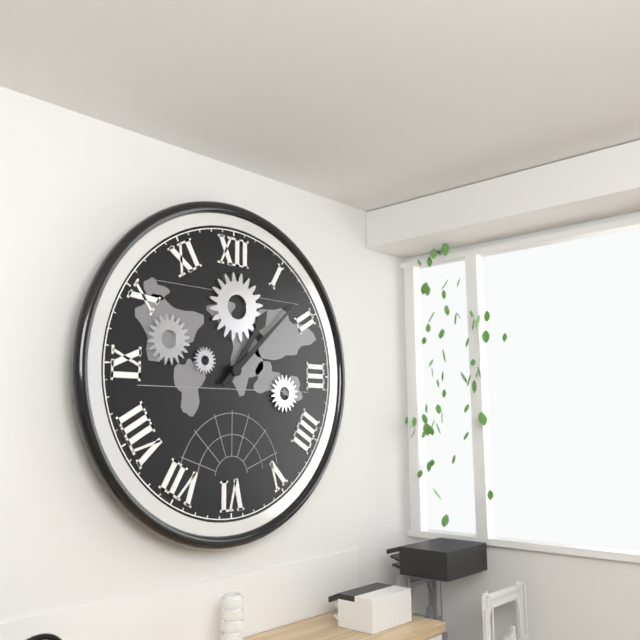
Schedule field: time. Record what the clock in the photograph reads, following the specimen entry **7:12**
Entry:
**1:08**
